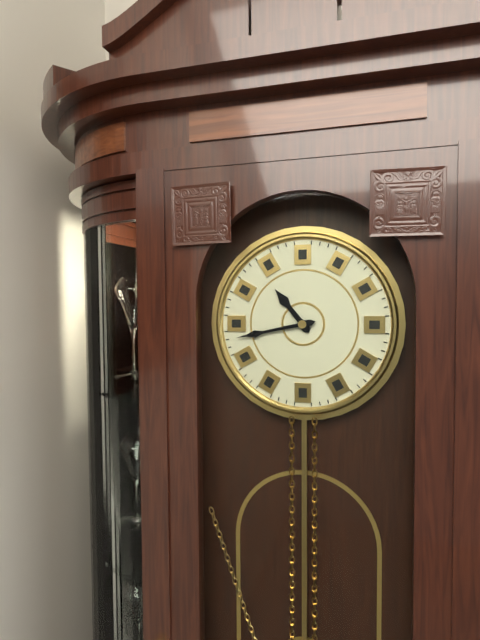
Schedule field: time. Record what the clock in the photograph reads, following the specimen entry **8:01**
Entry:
**10:43**
